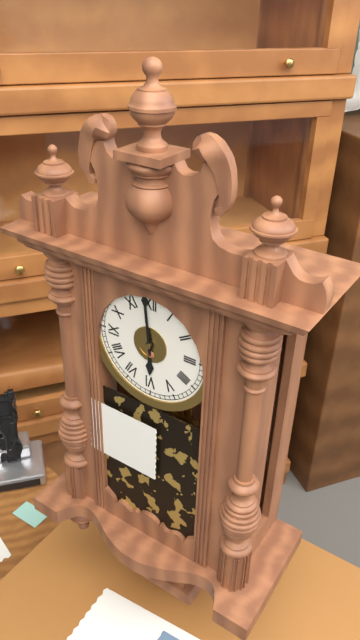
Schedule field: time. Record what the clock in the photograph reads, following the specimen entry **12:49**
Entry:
**5:59**
